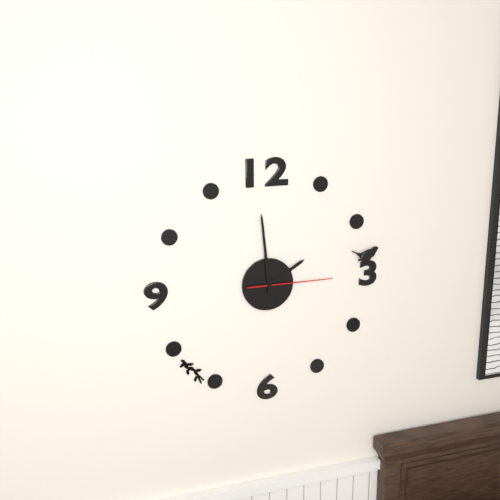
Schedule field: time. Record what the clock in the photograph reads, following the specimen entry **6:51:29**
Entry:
**1:59:15**
